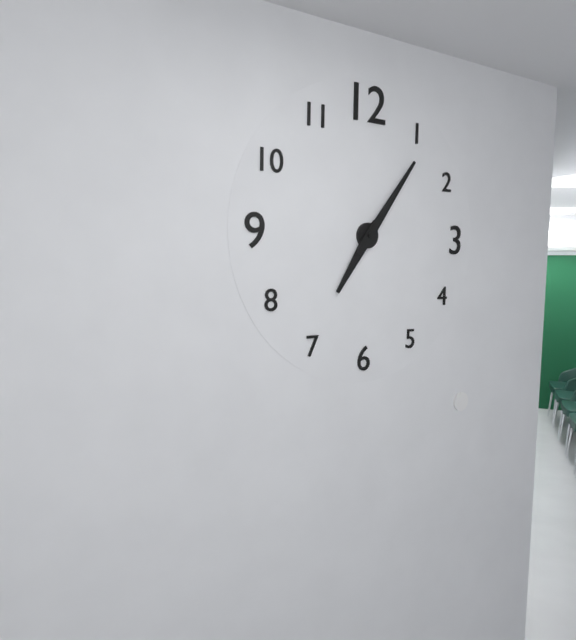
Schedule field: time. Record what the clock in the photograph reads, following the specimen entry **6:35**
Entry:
**7:06**
